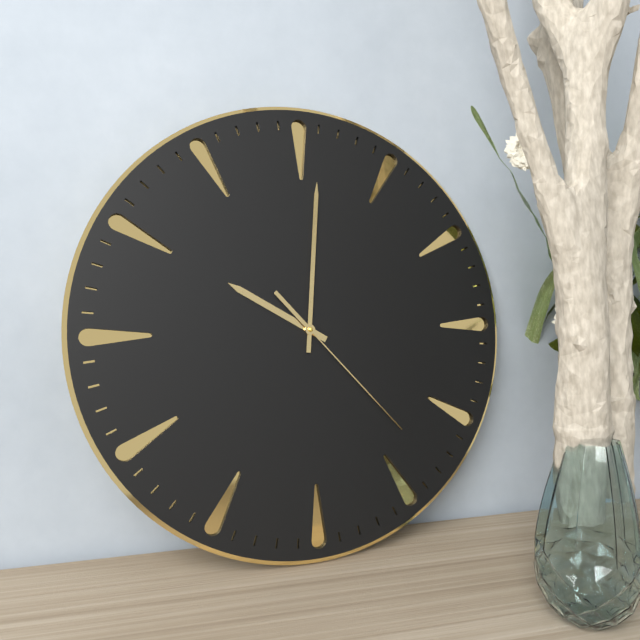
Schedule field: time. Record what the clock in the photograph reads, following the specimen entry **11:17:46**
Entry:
**10:01:23**
